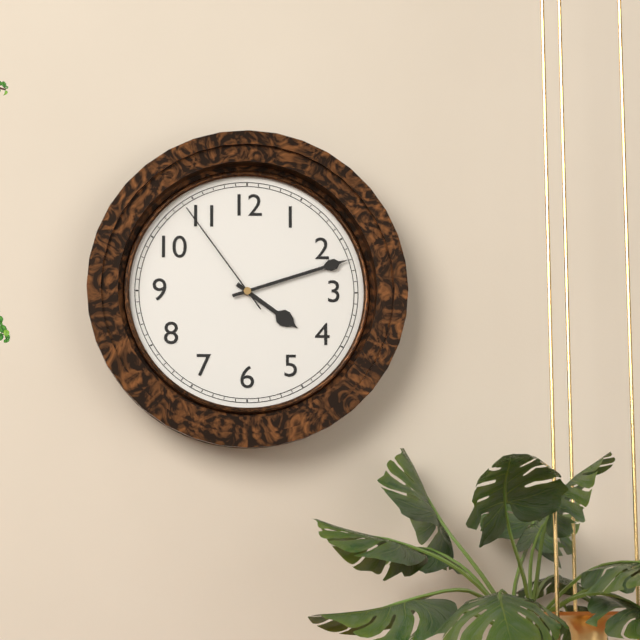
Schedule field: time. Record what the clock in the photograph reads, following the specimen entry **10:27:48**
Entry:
**4:12:54**
